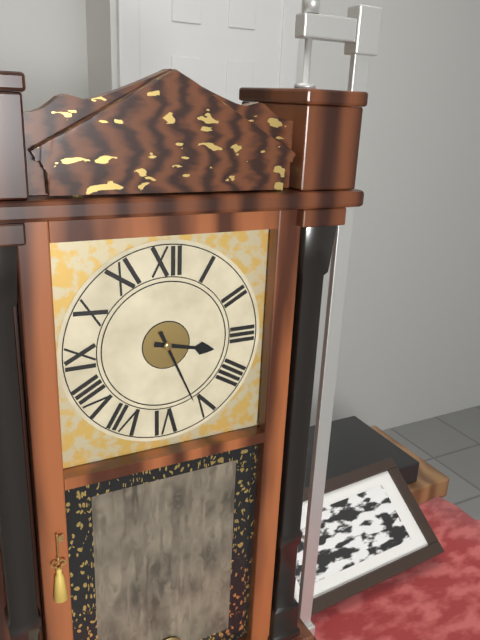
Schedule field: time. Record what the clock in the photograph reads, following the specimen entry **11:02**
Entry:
**3:26**
